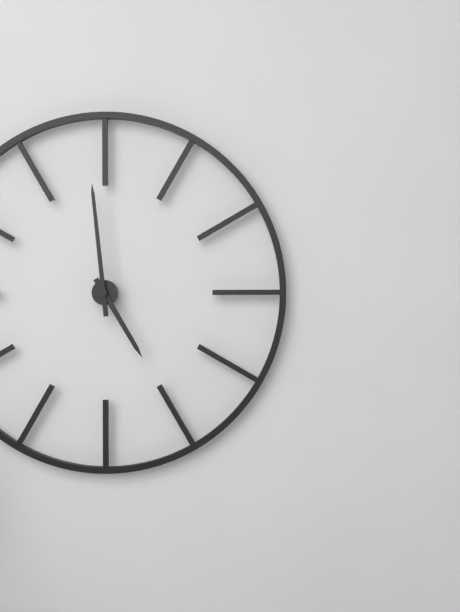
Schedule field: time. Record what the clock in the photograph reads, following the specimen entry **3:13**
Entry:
**4:59**
